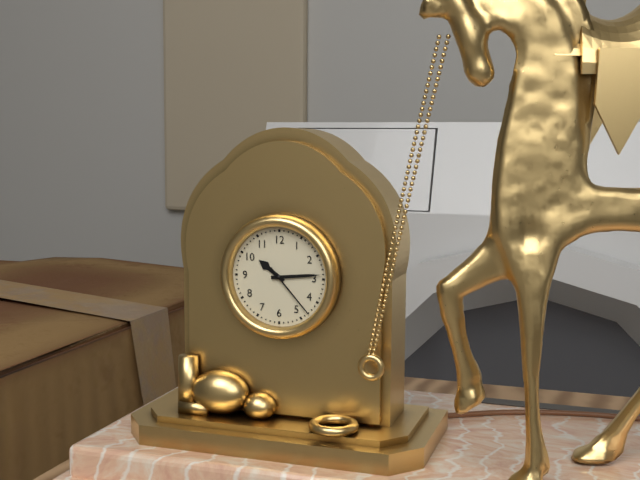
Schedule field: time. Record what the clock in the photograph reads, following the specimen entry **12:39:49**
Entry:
**10:14:23**
